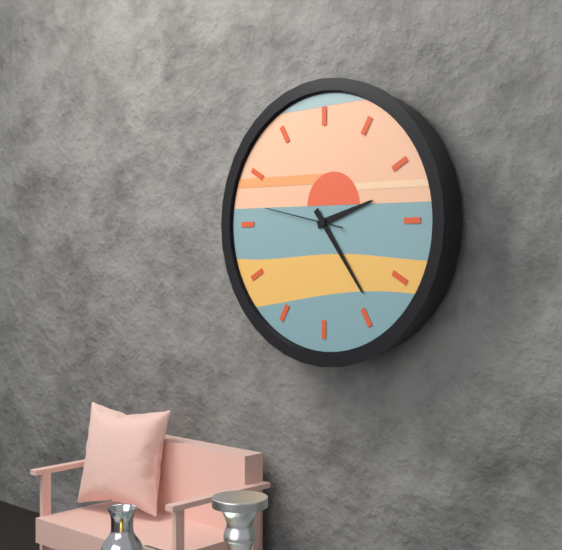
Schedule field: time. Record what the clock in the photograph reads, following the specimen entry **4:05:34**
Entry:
**2:24:47**
